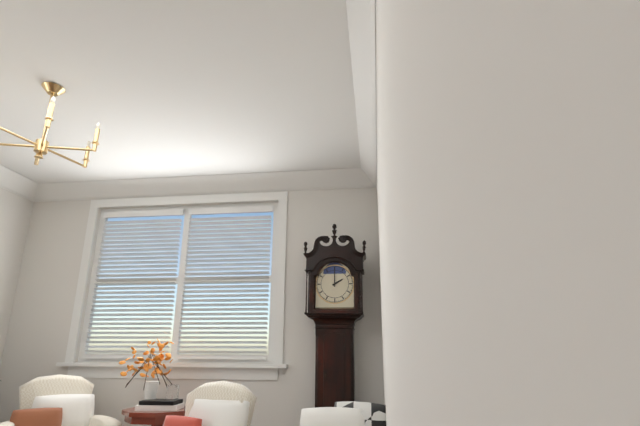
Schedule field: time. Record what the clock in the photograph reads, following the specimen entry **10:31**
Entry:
**2:00**
